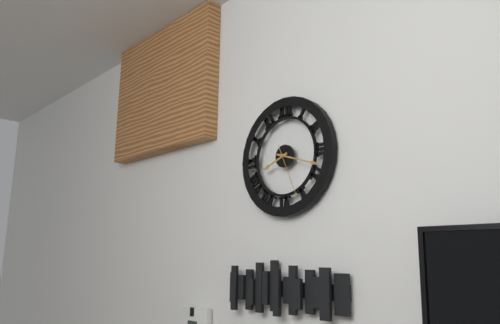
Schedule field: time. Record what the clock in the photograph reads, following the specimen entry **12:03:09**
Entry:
**8:18:26**
